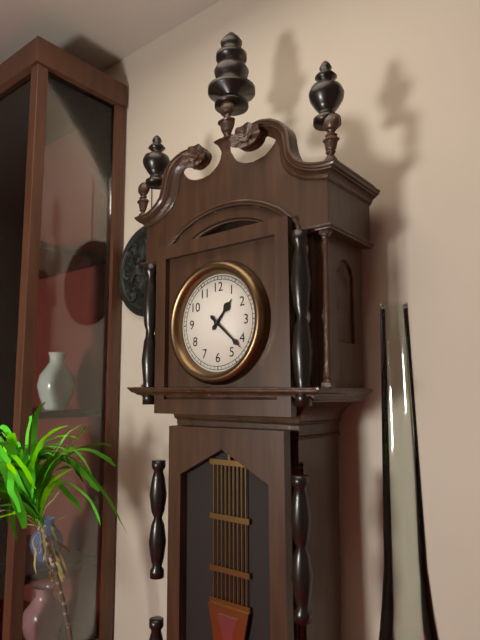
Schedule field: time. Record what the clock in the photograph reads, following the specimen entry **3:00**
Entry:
**1:22**
